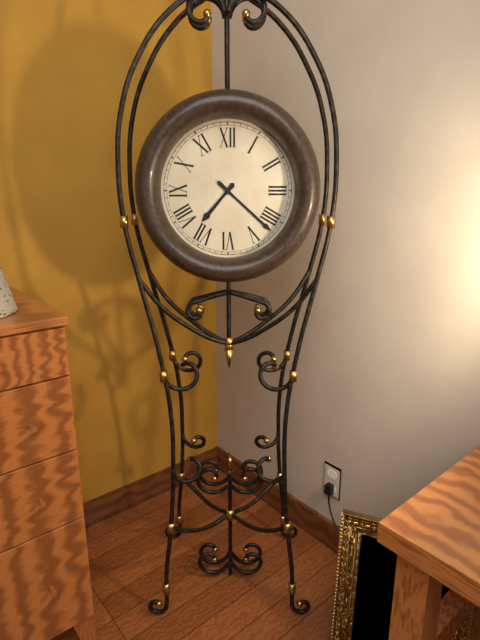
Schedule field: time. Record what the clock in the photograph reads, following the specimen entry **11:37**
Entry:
**7:22**
